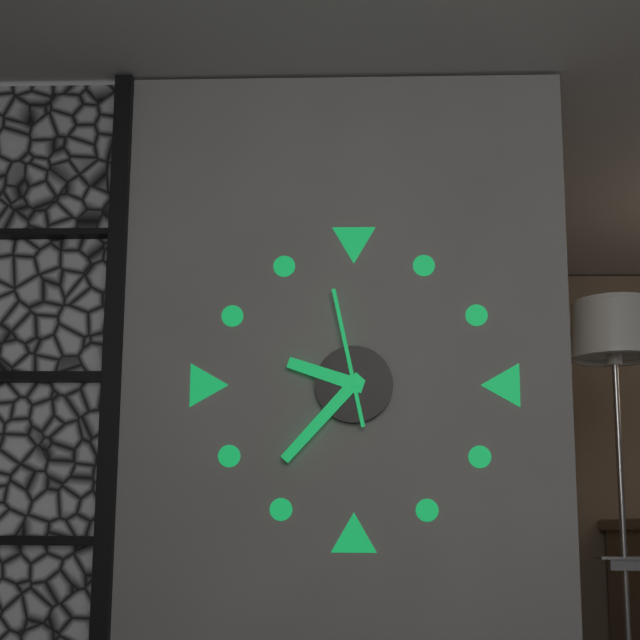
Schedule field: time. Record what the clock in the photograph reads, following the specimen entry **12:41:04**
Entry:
**9:37:58**
